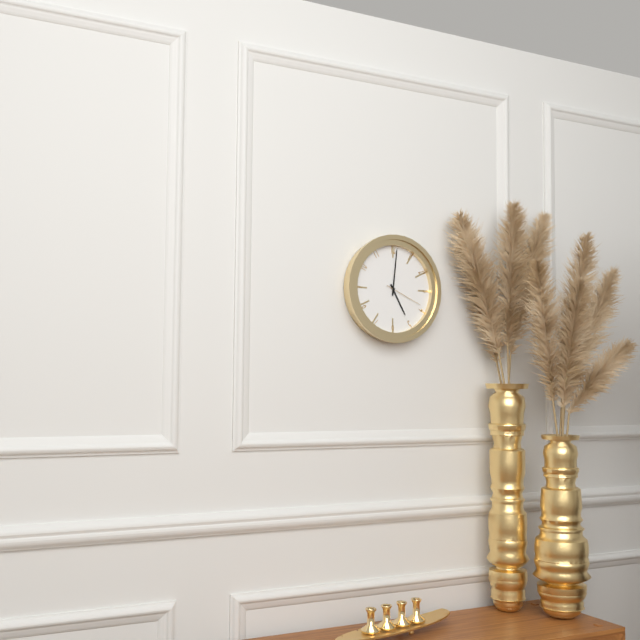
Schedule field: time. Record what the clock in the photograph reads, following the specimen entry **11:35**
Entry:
**5:01**
